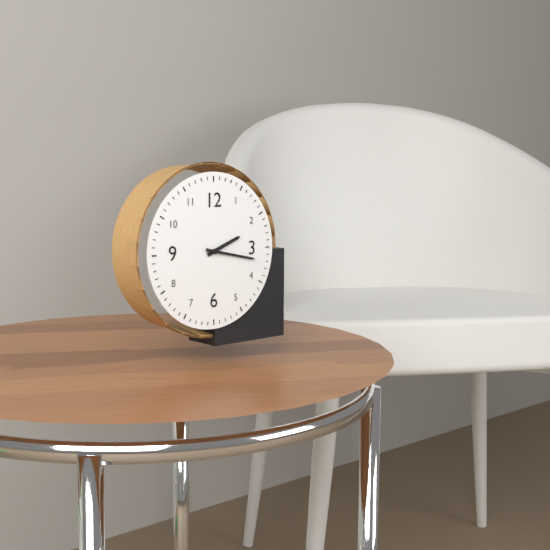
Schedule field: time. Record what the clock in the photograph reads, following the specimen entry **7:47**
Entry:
**2:17**
